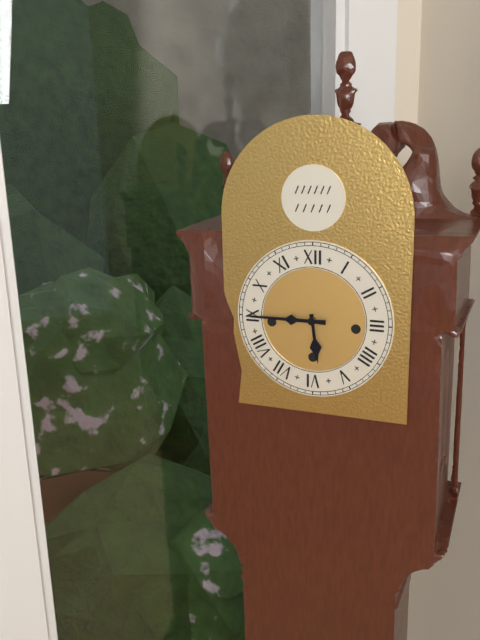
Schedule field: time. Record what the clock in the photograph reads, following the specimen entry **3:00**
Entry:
**5:45**
